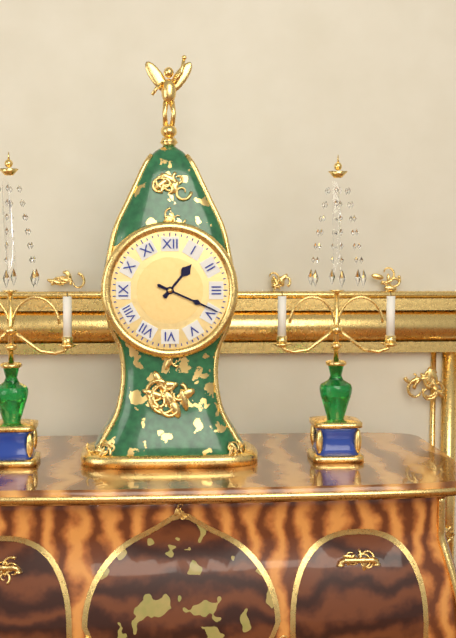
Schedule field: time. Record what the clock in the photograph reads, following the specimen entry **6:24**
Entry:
**1:19**
